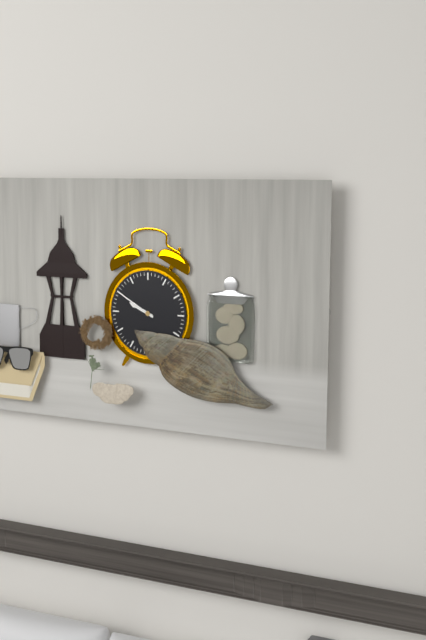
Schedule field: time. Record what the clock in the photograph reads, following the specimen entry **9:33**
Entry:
**9:50**
